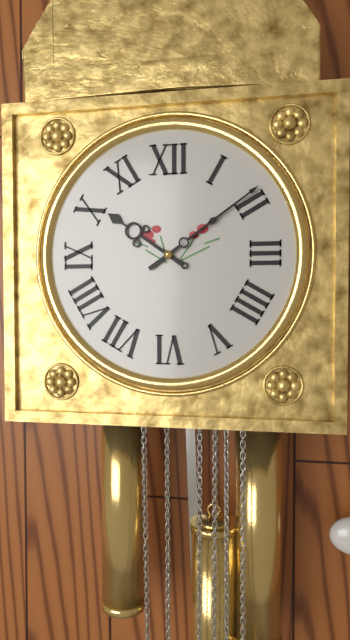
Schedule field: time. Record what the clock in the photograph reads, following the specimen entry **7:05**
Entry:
**10:09**
